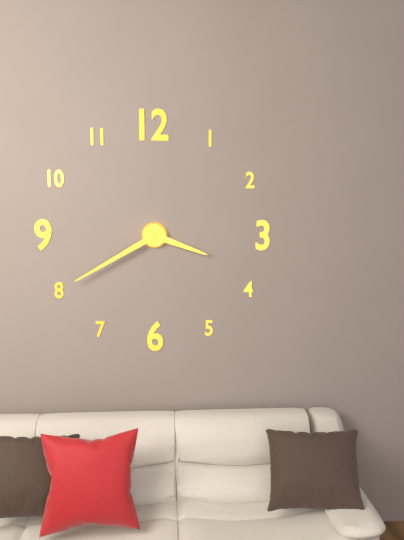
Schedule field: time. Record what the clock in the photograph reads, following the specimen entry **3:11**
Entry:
**3:40**
